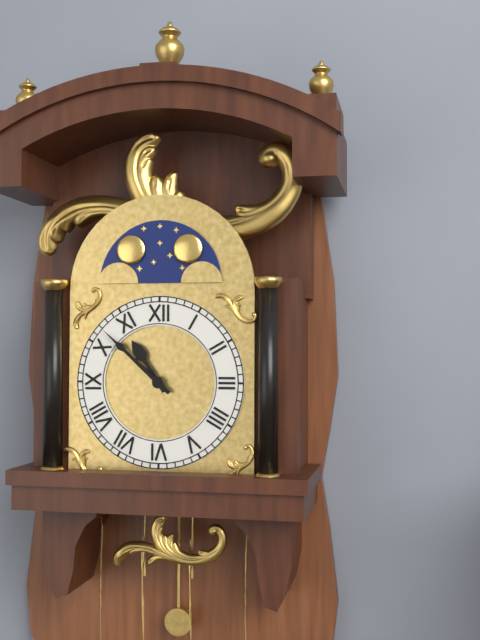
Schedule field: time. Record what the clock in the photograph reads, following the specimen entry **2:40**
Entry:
**10:52**
